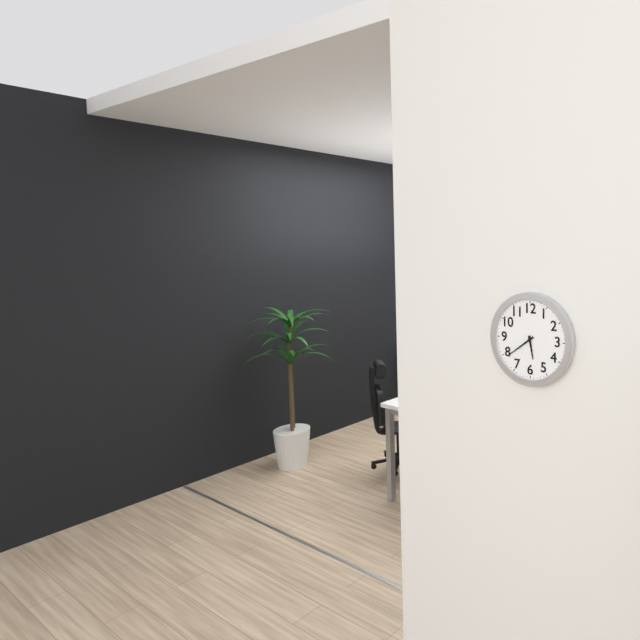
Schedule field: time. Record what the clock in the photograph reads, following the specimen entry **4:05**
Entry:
**5:39**
